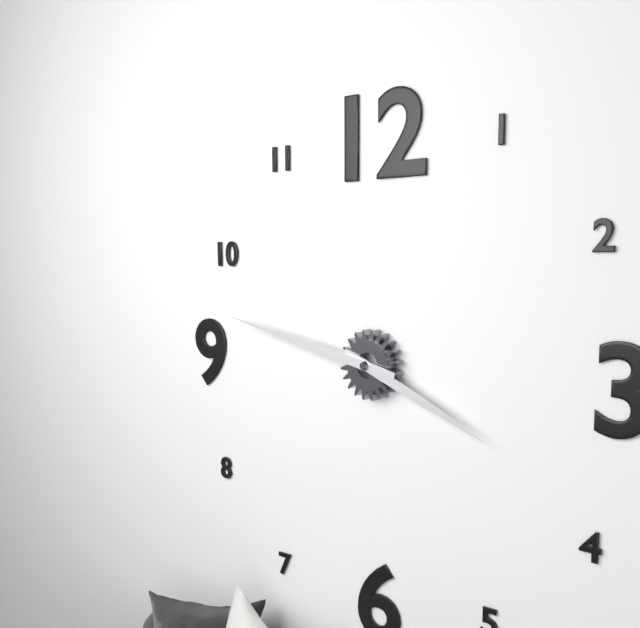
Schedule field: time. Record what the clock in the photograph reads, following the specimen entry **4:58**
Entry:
**3:47**
